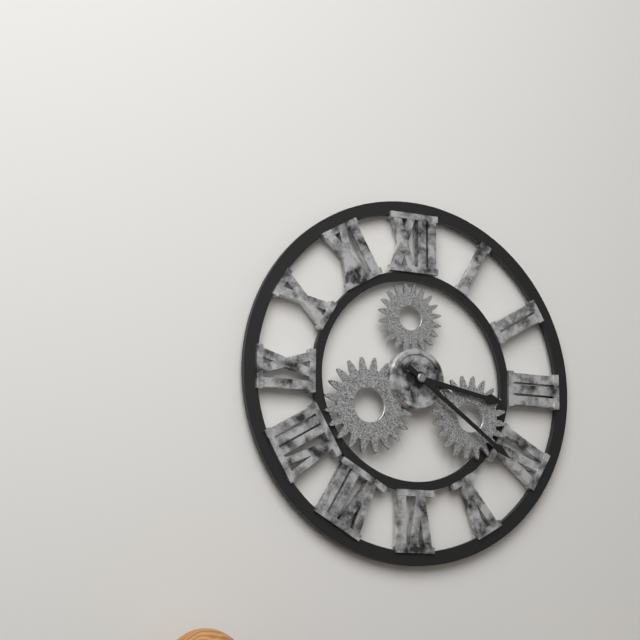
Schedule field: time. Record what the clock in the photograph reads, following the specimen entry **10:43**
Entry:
**3:21**
